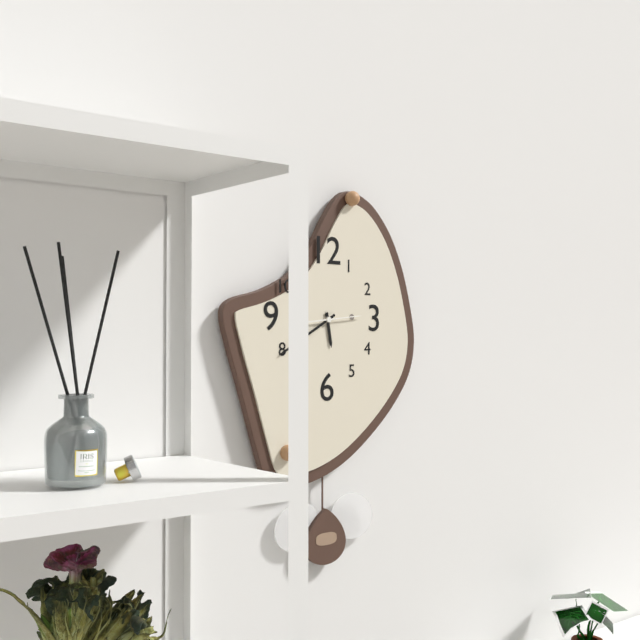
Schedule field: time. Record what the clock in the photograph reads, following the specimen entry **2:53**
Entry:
**5:40**
